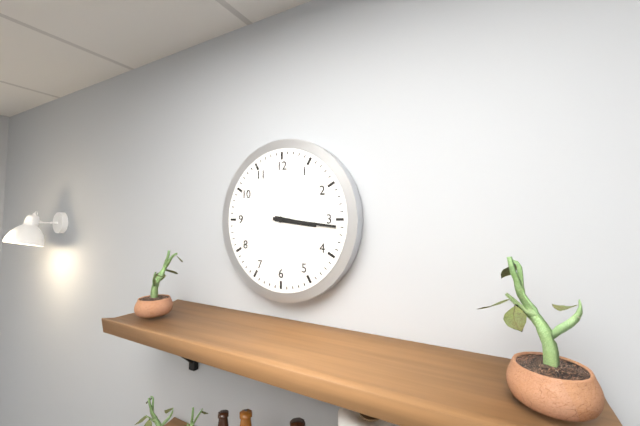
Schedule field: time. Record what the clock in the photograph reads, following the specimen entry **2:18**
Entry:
**3:16**
